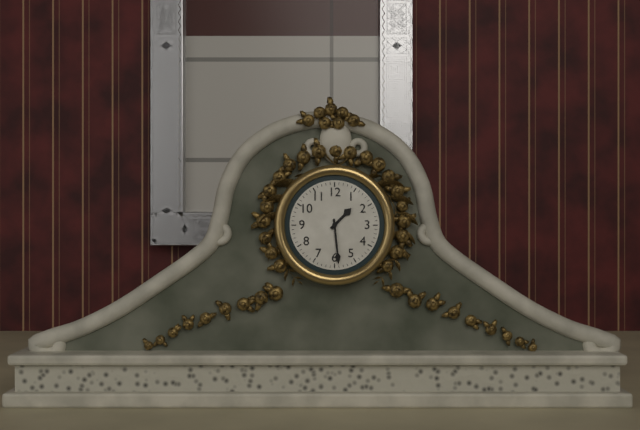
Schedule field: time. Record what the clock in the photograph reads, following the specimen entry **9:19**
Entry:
**1:29**
